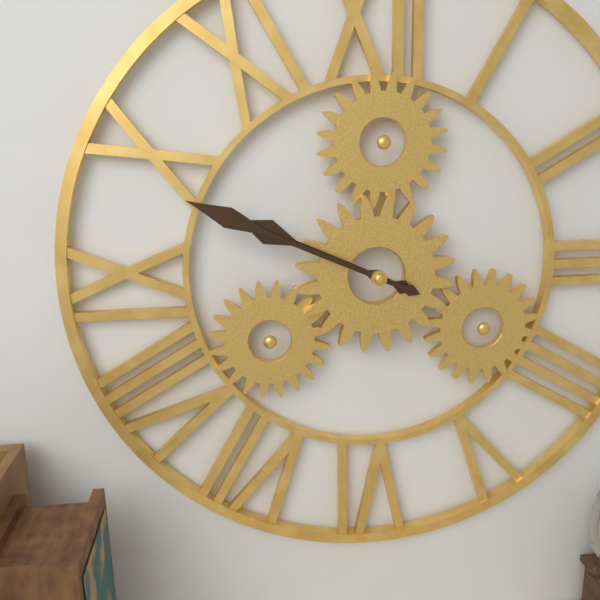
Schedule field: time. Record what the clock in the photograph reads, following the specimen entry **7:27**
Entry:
**9:49**
